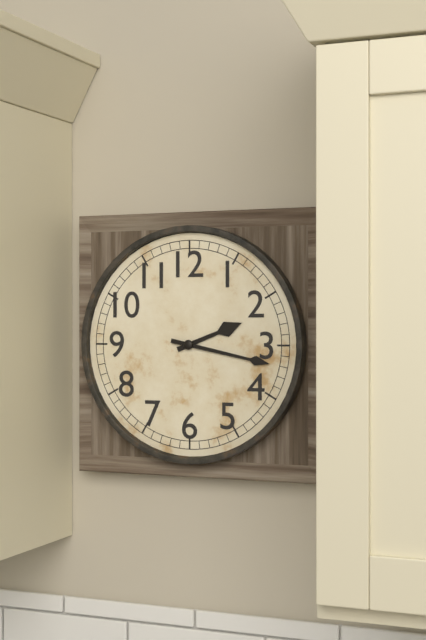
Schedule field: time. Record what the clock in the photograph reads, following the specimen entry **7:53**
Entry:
**2:17**
